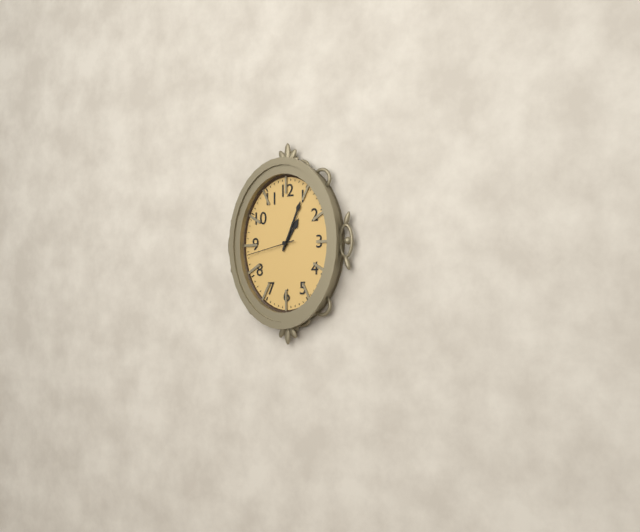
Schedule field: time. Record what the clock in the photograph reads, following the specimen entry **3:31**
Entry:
**1:04**
